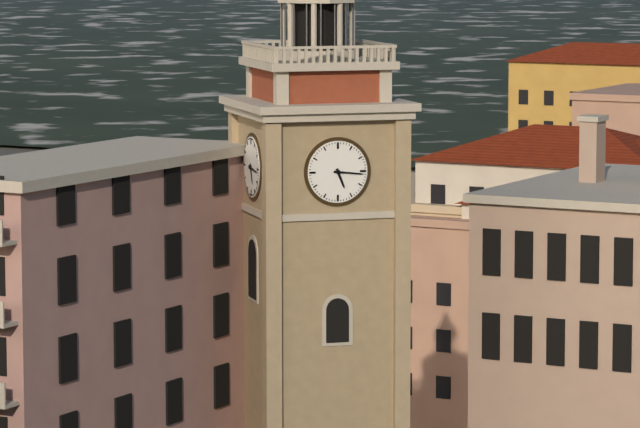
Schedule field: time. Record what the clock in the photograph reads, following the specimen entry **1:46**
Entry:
**5:16**
